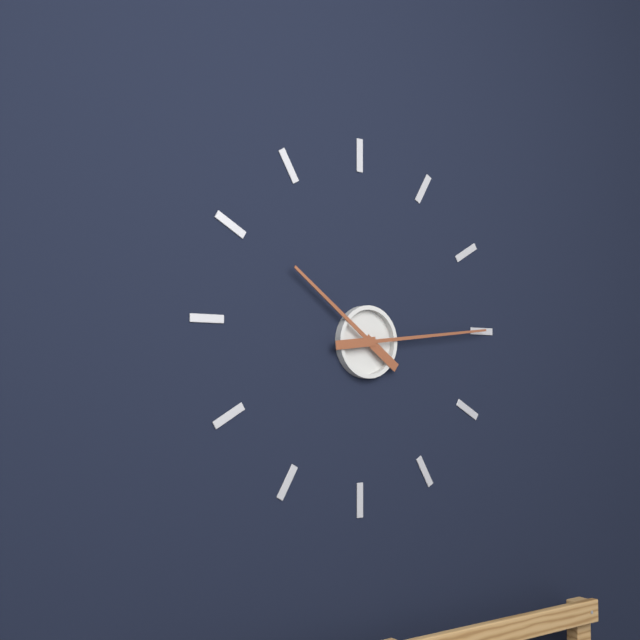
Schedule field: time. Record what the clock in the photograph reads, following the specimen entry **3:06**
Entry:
**10:14**
